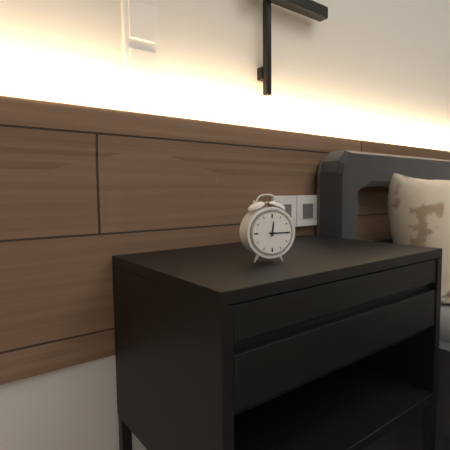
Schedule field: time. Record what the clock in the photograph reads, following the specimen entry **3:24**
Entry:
**12:15**
